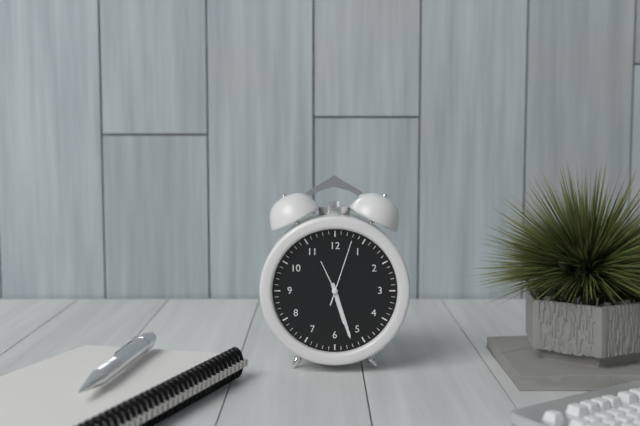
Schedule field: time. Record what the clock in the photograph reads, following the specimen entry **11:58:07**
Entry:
**5:27:03**
